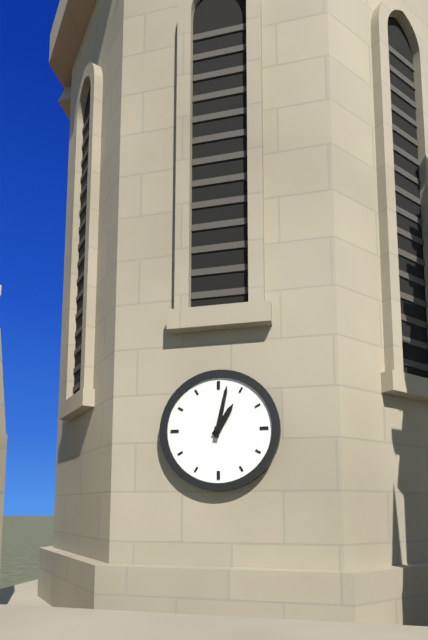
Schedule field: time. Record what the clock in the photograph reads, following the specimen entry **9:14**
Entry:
**1:02**
